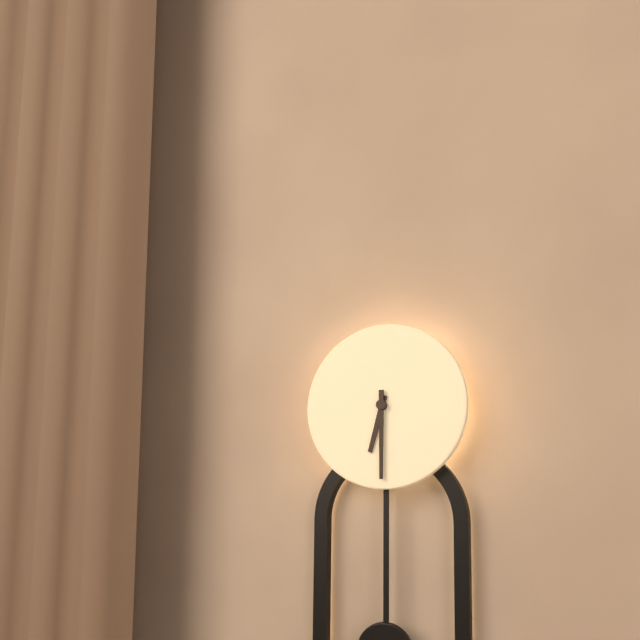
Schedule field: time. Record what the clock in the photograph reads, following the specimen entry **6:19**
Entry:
**6:30**
